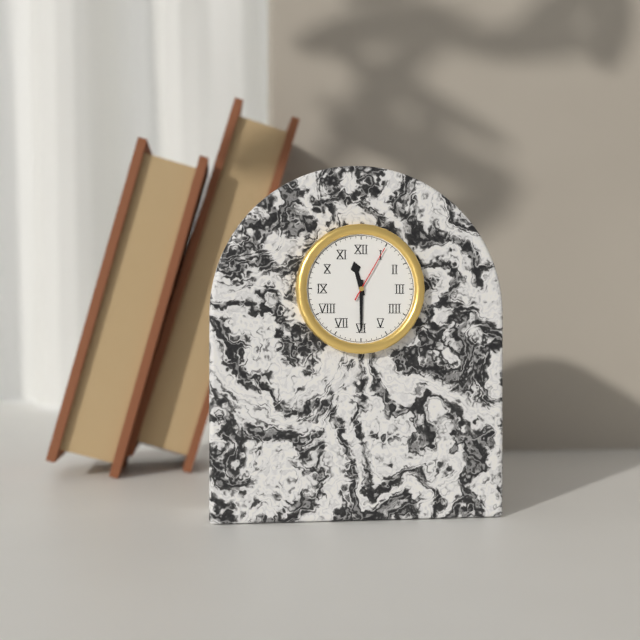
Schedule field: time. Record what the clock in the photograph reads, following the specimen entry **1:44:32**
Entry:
**11:30:05**
